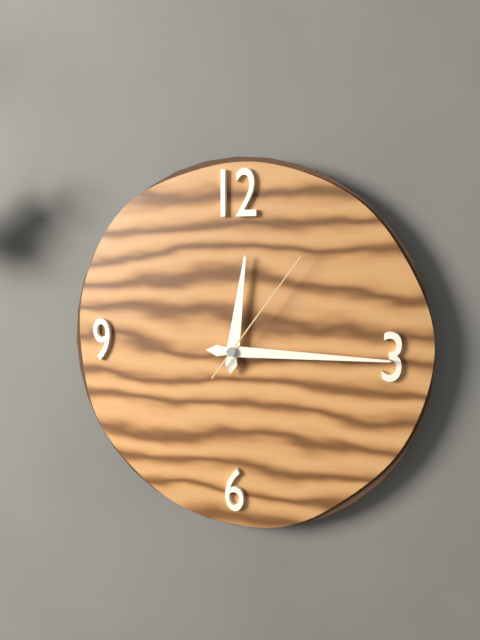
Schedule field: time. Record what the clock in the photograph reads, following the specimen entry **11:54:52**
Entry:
**12:15:06**
